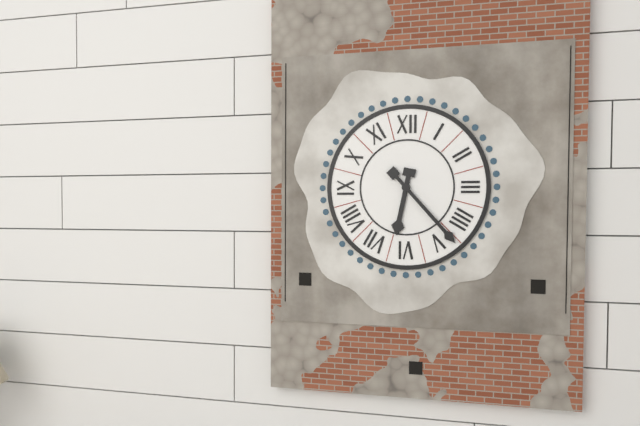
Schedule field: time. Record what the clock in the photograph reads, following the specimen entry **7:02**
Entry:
**6:23**
